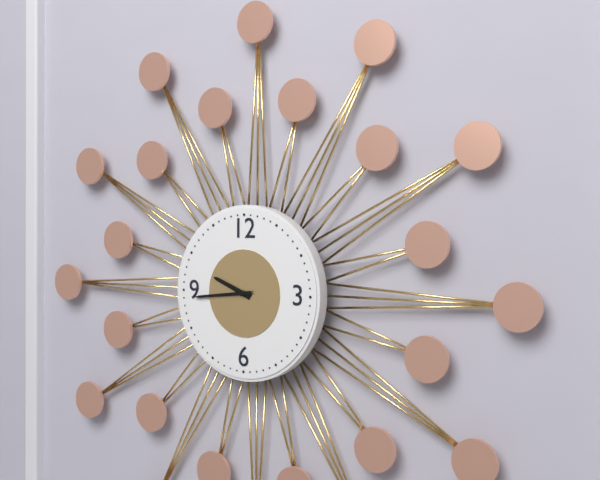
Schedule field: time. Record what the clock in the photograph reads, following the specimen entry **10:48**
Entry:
**9:44**
